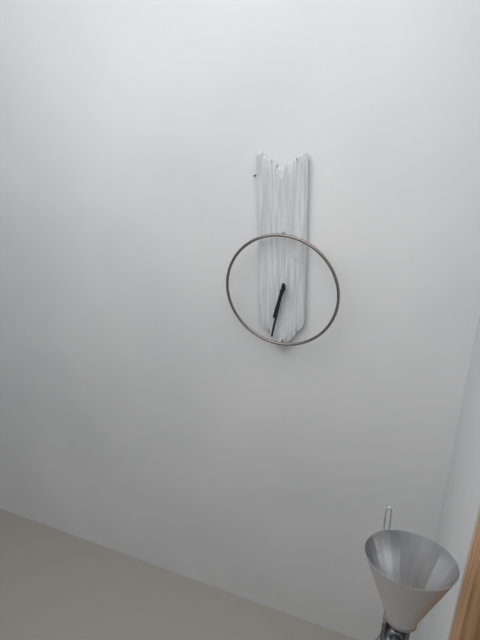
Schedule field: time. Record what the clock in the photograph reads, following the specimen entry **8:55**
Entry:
**6:32**
